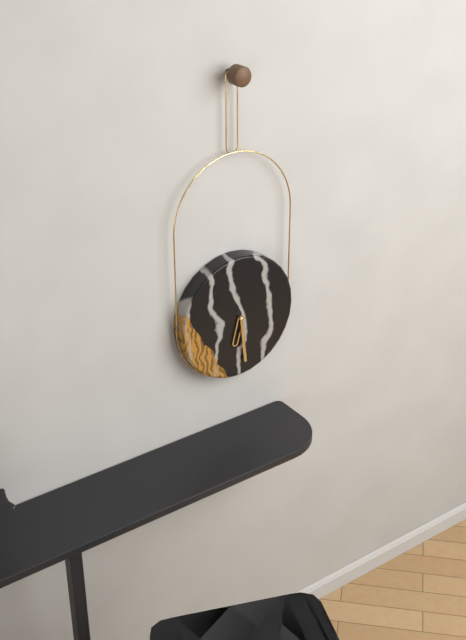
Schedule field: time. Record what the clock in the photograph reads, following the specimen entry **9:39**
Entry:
**6:29**
